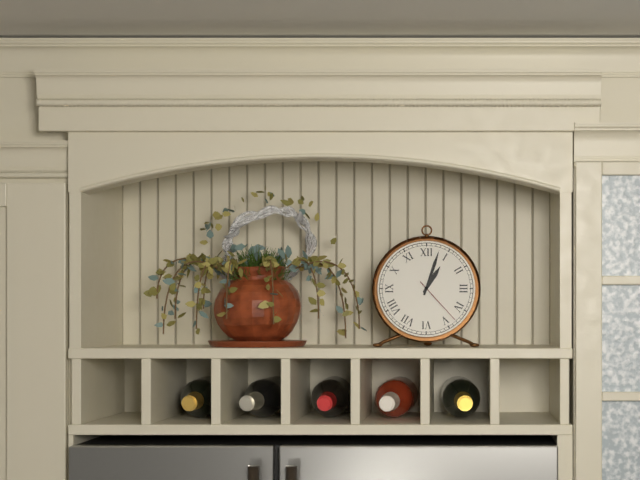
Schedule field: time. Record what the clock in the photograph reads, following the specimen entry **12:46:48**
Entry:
**1:03:23**
